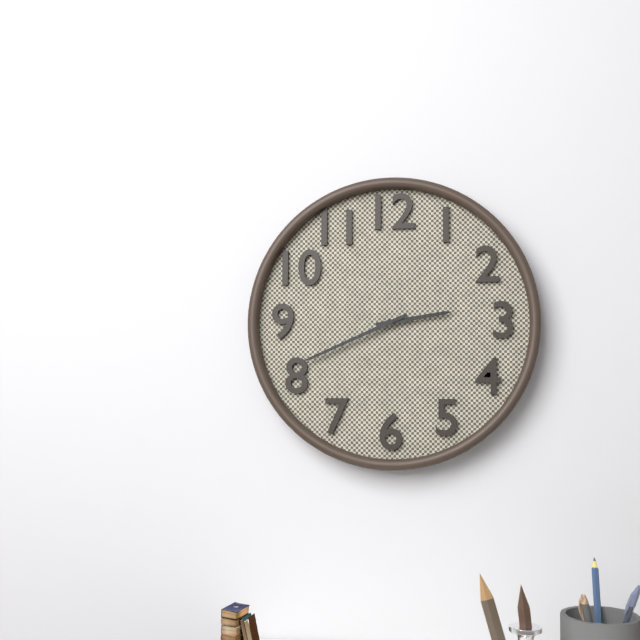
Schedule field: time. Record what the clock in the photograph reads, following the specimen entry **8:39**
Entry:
**2:41**
